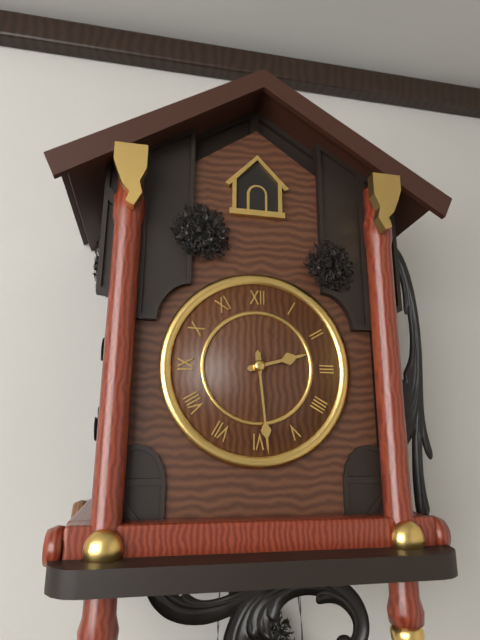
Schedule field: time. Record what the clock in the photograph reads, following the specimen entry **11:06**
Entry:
**2:29**
